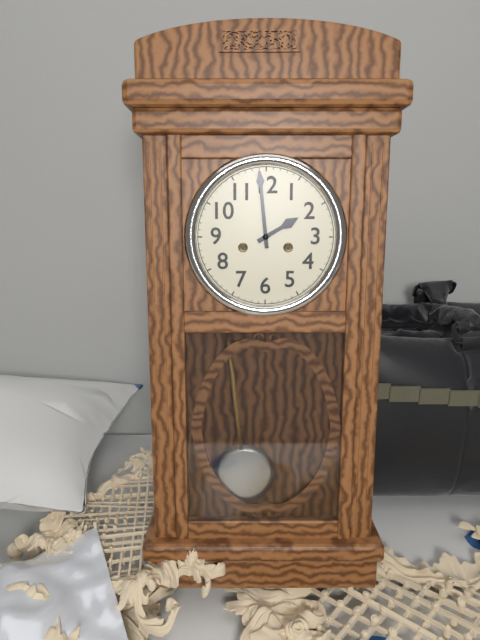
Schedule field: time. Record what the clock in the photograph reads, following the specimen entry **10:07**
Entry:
**1:59**
